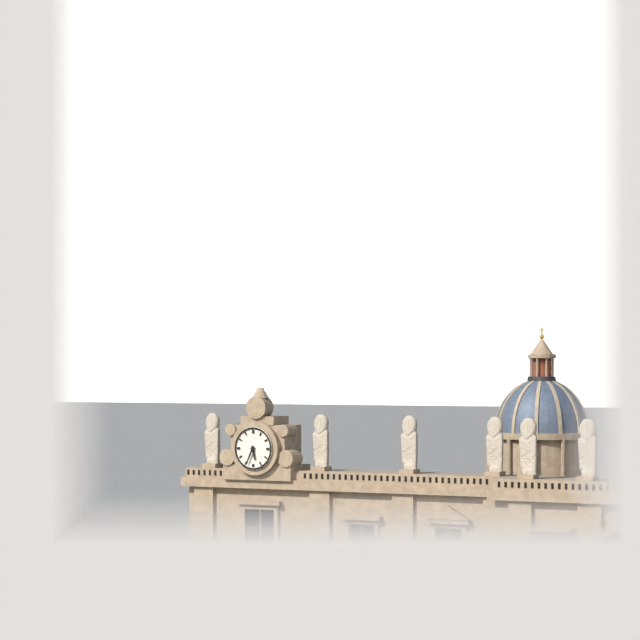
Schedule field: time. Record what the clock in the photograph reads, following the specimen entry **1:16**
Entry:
**5:34**
